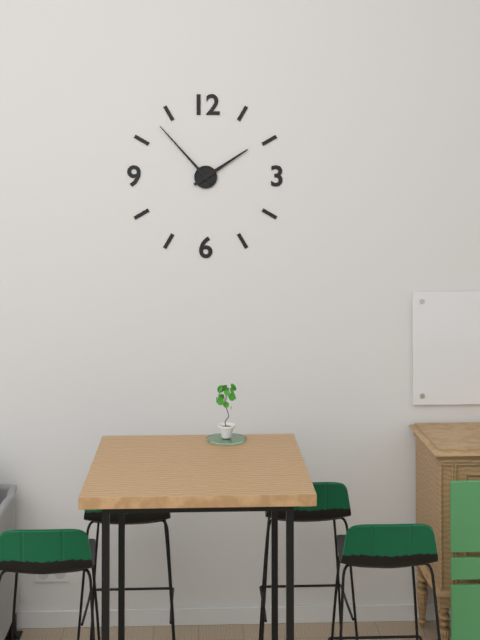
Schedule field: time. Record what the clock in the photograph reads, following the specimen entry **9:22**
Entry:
**1:53**
